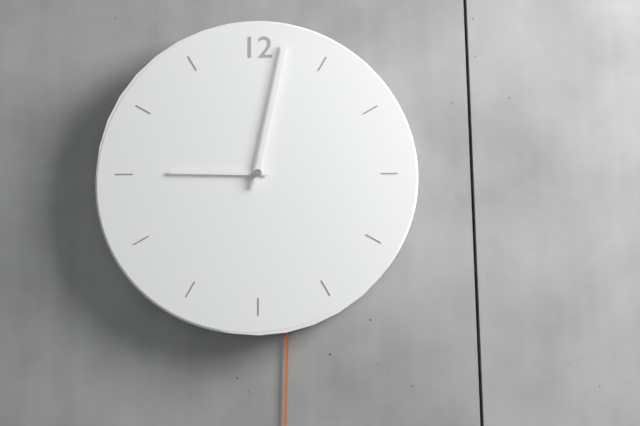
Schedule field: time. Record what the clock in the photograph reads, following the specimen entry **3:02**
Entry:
**9:02**
